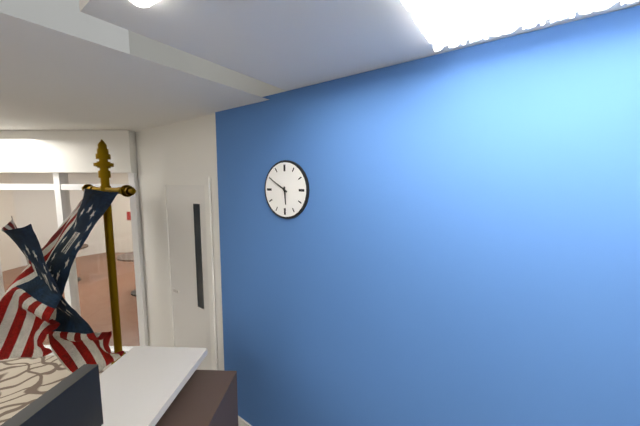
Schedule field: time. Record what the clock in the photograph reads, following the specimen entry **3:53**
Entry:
**5:50**
